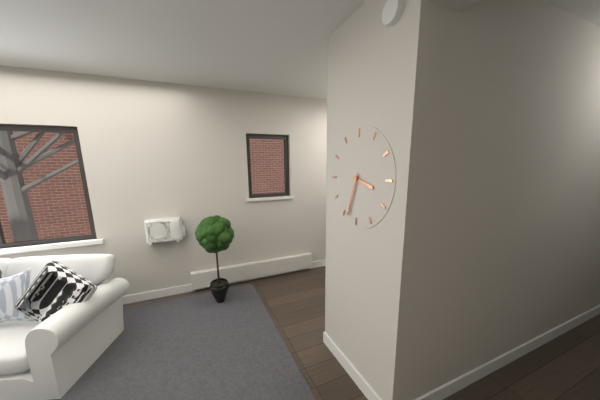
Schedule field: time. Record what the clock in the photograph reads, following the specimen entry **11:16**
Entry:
**3:33**
